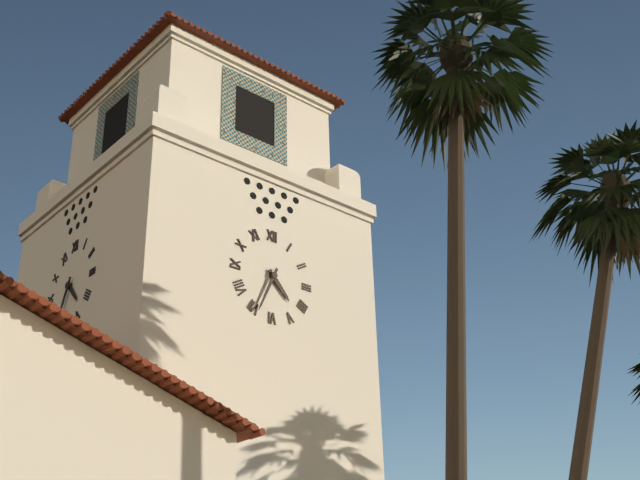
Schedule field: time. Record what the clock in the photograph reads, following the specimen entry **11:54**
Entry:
**4:34**
